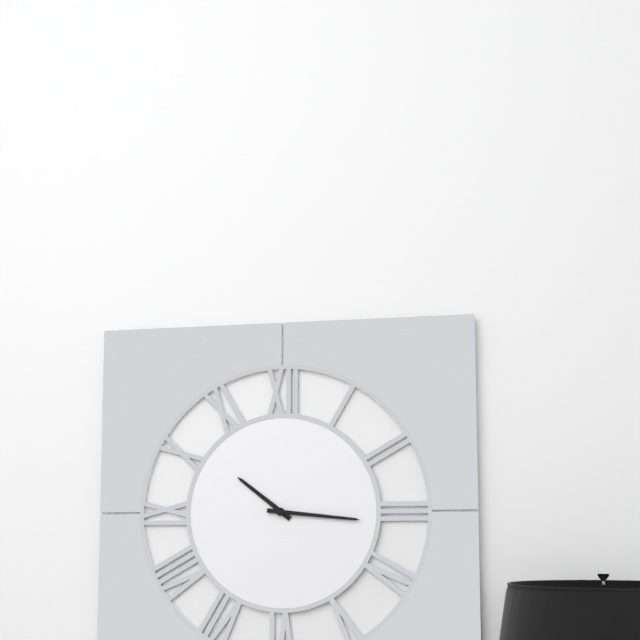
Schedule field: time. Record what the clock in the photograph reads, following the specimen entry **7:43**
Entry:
**10:16**
